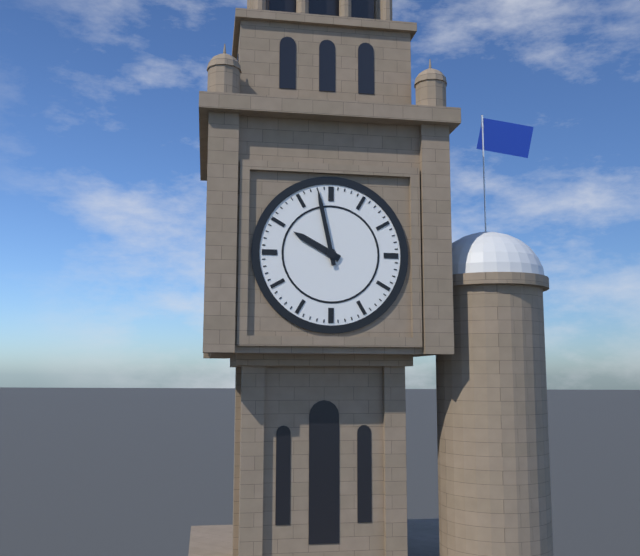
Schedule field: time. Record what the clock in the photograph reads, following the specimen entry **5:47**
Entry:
**9:58**
